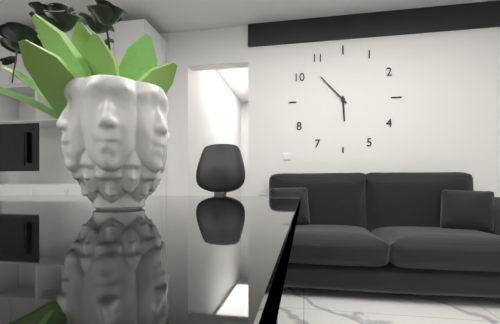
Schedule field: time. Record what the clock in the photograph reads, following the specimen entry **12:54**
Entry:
**5:53**
